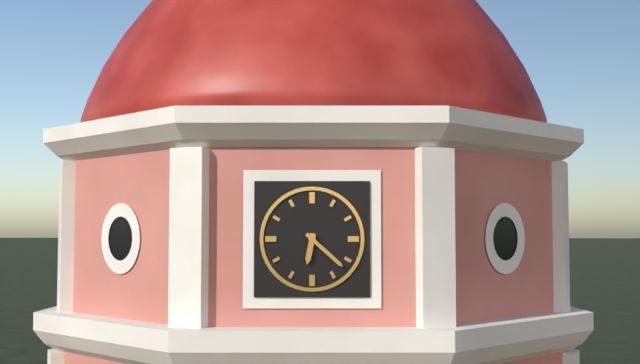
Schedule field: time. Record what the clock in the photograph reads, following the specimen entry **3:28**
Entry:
**6:22**
